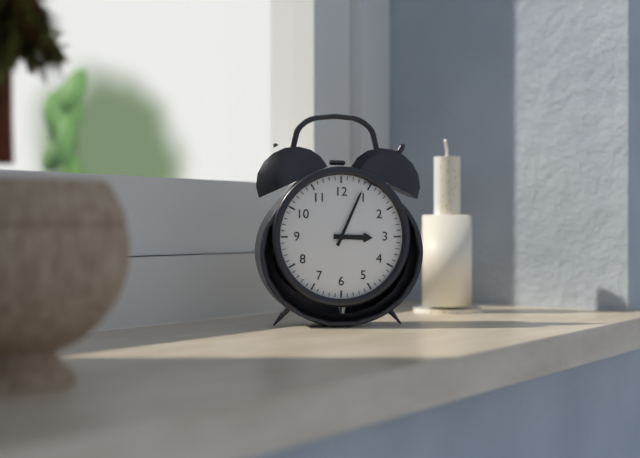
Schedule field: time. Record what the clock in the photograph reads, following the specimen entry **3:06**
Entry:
**3:04**
